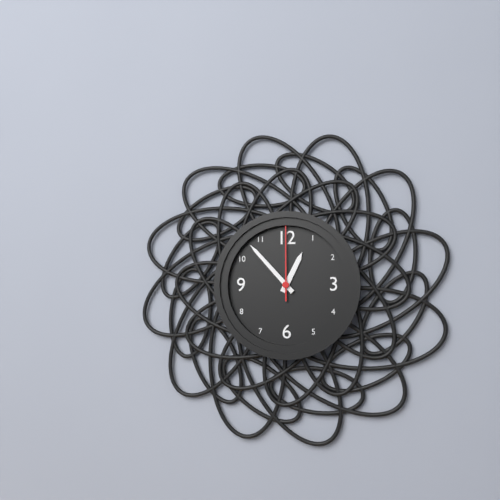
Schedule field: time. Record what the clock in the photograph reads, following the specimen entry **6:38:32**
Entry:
**12:53:00**
